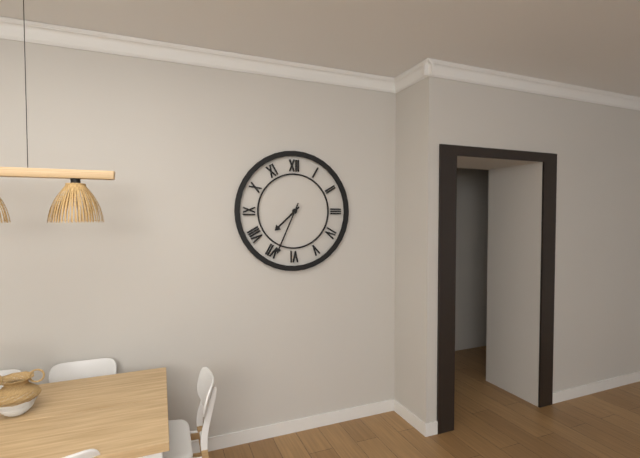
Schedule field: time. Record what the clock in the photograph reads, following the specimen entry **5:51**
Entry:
**7:34**
